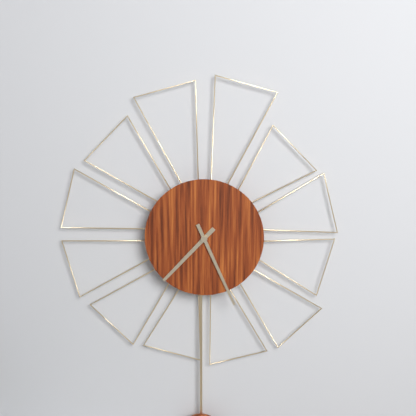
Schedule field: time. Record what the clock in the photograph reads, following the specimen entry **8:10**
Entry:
**7:26**
